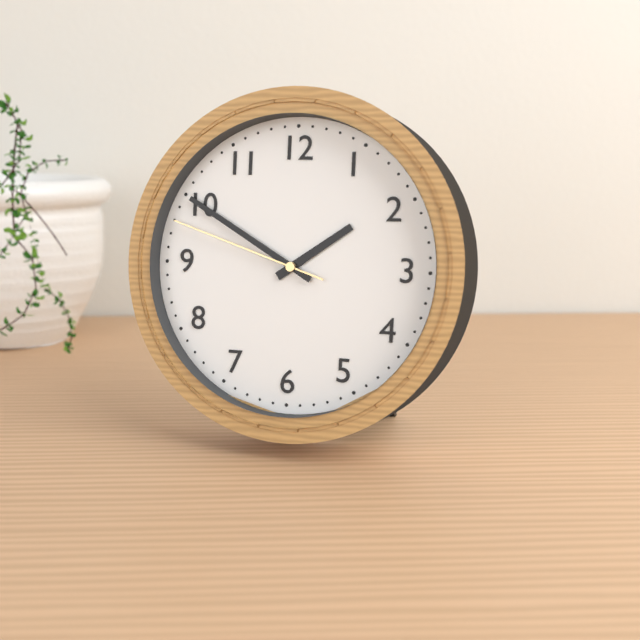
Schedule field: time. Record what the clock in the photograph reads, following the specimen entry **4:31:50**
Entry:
**1:50:48**
